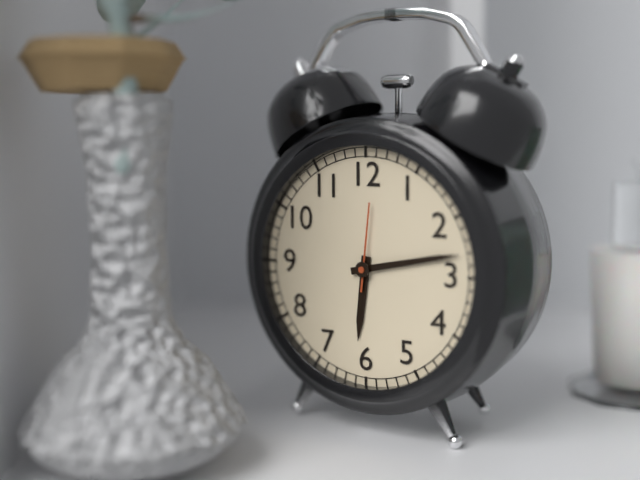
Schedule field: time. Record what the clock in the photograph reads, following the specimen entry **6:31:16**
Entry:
**6:13:01**
